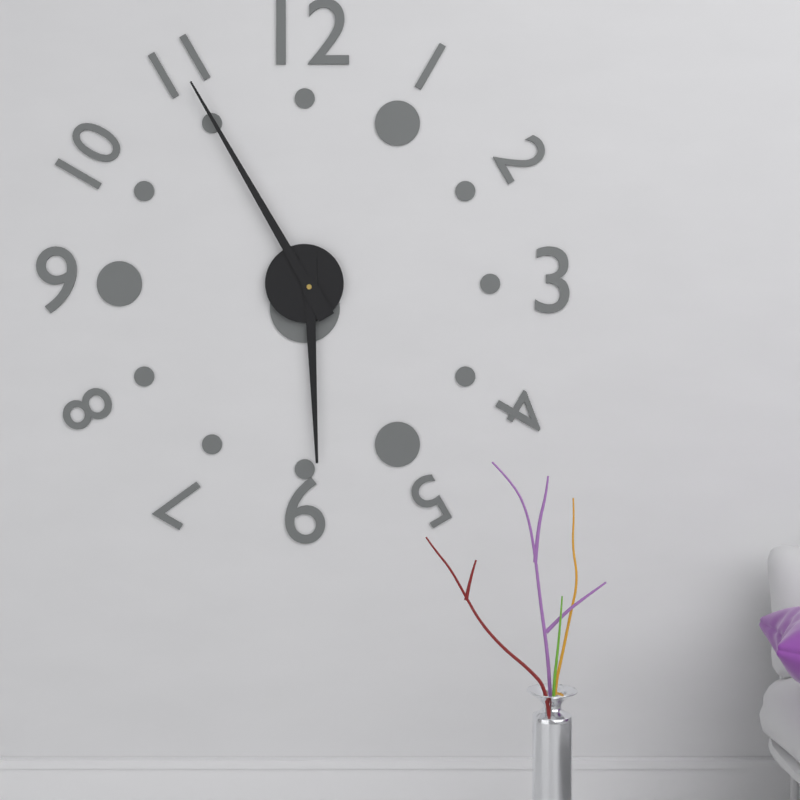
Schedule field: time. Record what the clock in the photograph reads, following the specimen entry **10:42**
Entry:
**5:55**
